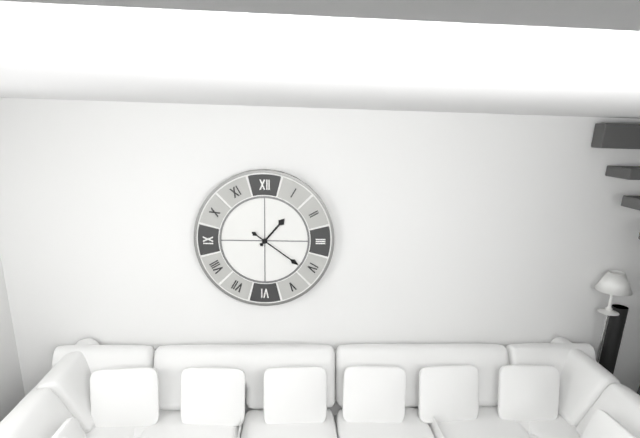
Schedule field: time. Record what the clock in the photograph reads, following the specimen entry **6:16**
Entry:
**1:21**
